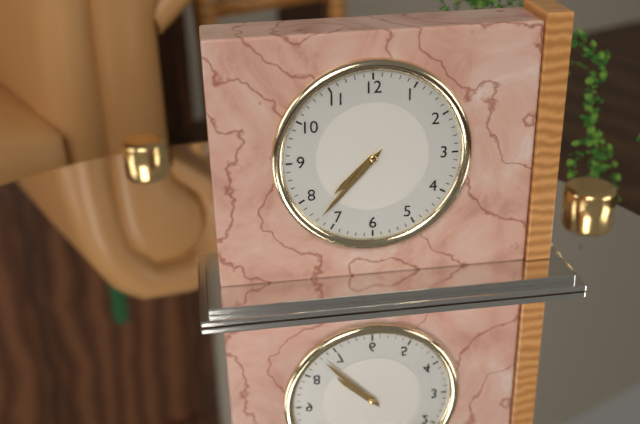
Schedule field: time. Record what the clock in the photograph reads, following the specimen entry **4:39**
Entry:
**7:37**
